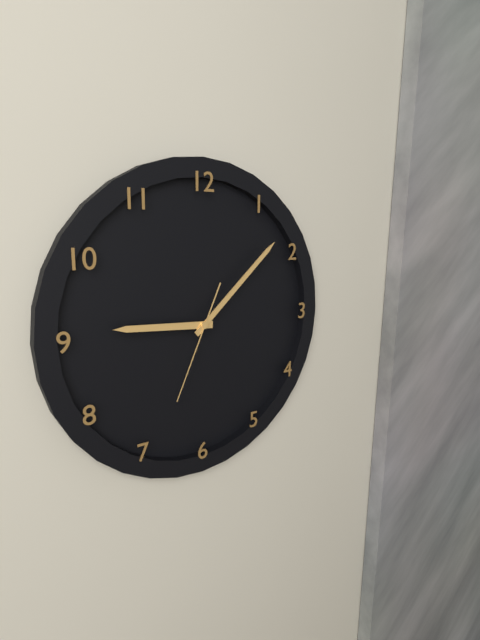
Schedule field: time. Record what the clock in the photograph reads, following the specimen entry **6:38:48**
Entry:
**9:08:34**
